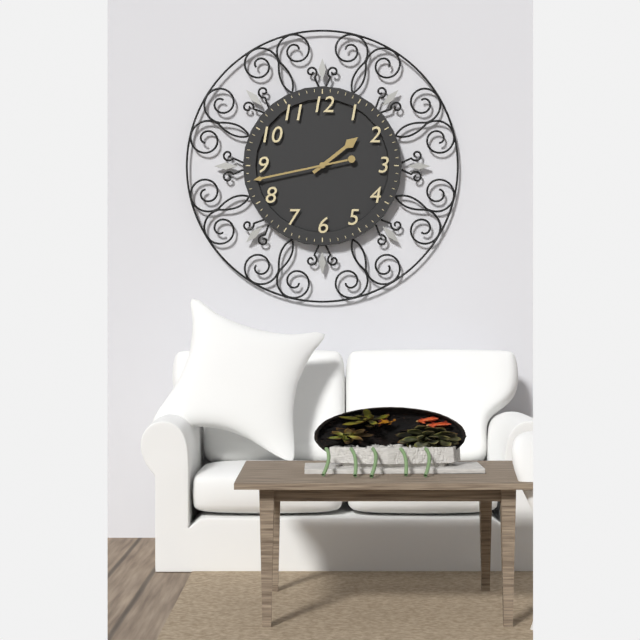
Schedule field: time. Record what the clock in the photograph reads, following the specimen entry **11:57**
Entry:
**1:43**
